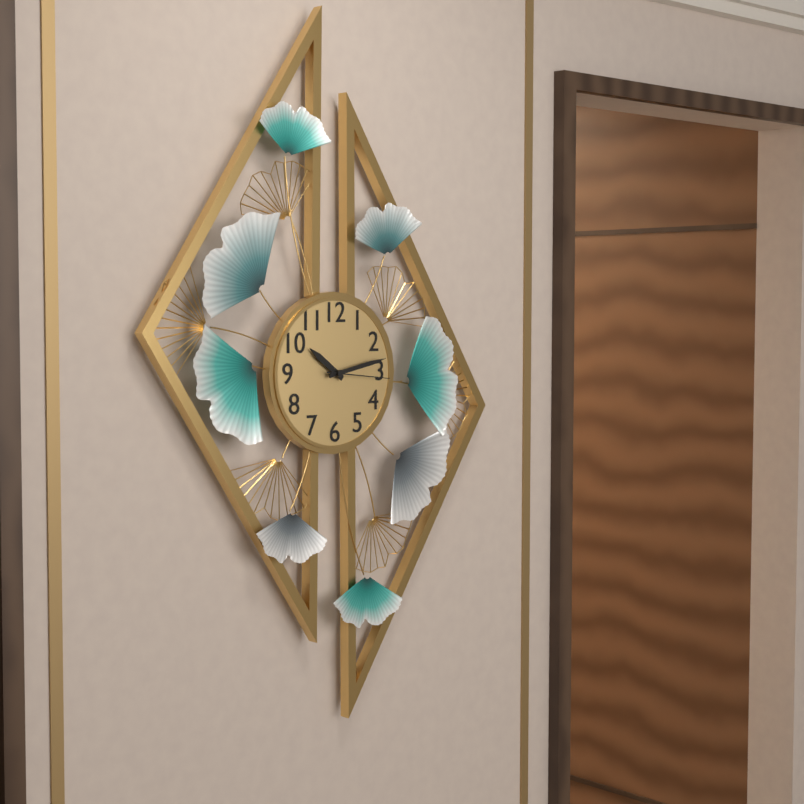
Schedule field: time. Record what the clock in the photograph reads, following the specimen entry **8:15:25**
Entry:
**10:13:16**
